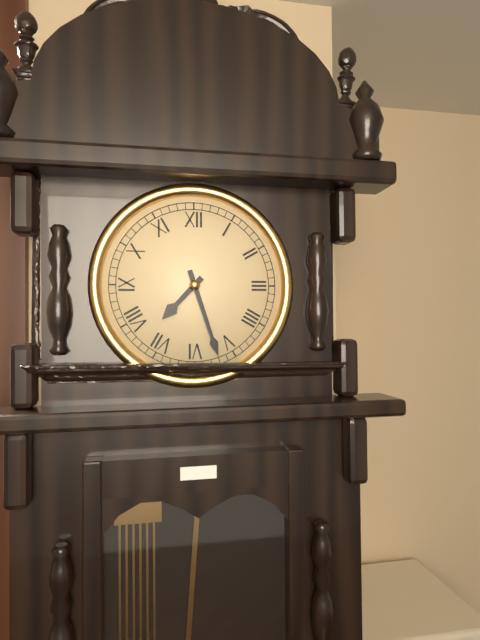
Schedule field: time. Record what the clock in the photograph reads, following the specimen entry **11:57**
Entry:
**7:27**
